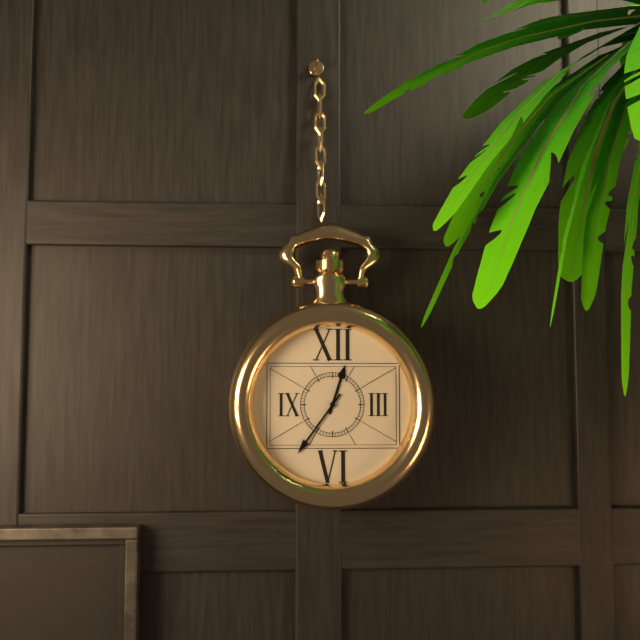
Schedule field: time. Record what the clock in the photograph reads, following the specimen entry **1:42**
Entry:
**12:36**
